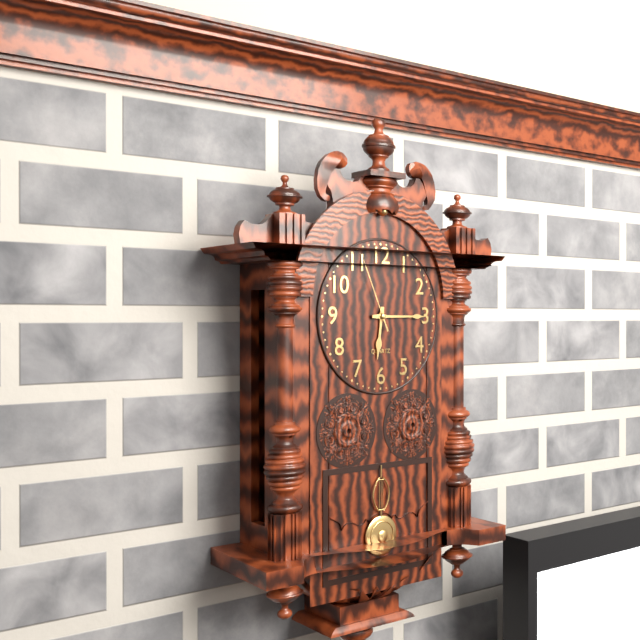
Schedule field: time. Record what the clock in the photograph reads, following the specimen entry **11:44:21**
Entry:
**6:15:56**
